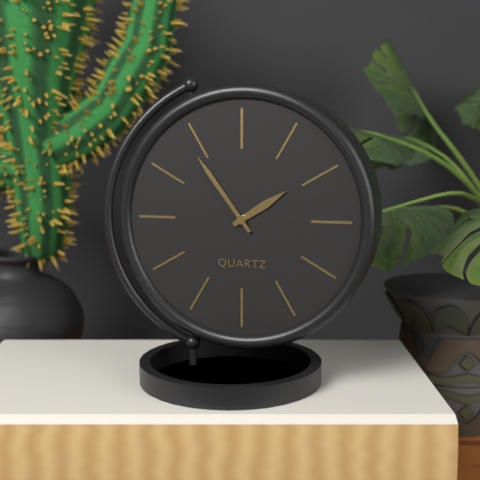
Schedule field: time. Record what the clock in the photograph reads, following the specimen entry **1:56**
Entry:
**1:54**
